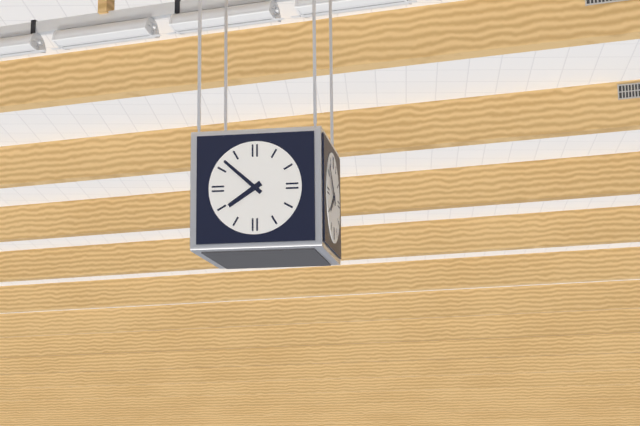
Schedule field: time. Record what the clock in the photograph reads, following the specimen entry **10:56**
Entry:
**7:52**
